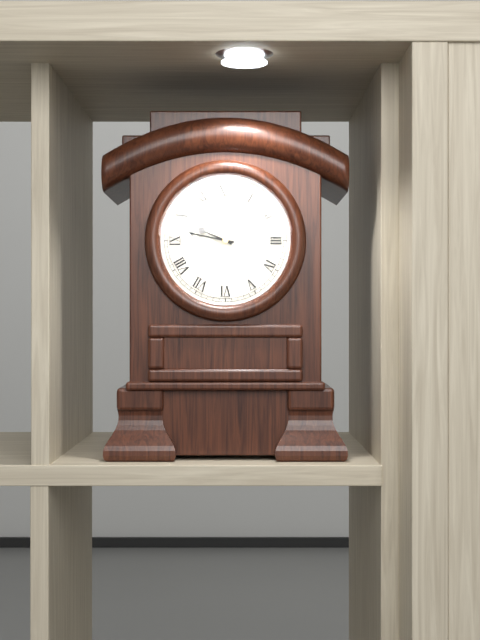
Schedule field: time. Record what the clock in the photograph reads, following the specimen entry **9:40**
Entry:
**9:47**
